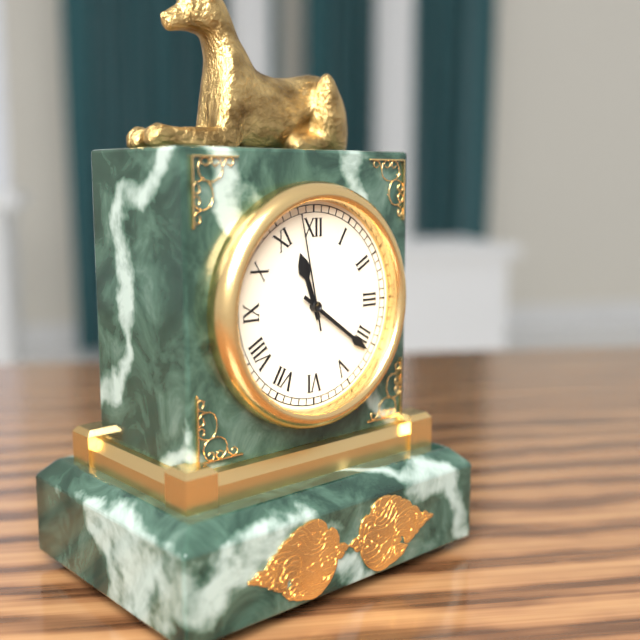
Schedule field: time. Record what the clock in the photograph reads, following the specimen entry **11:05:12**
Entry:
**11:21:58**
